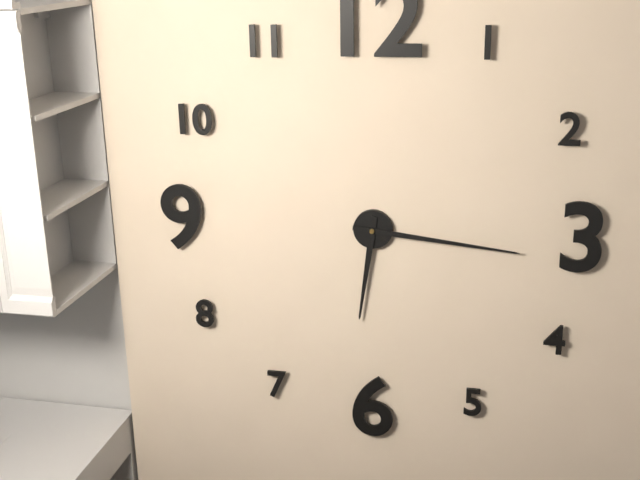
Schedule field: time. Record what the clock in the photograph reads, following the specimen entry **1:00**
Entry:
**6:16**
